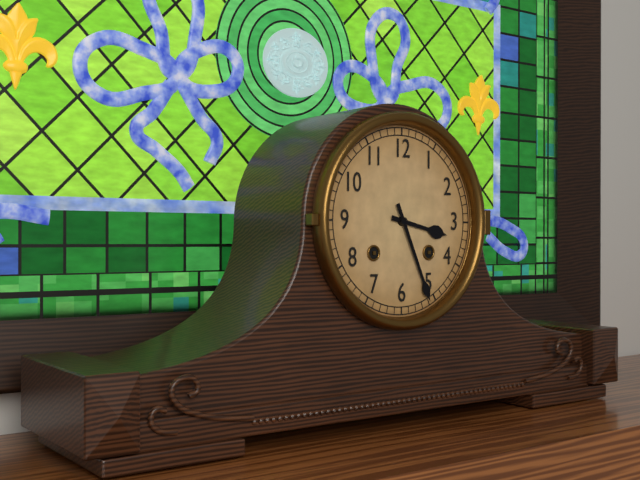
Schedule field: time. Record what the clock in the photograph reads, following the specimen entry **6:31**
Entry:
**3:26**
